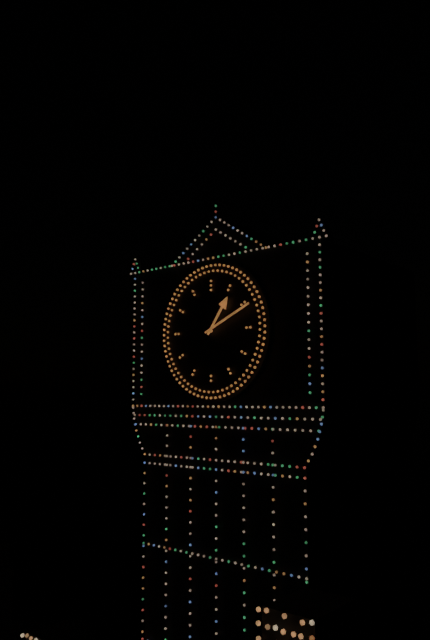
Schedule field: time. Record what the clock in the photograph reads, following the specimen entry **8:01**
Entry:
**1:11**
